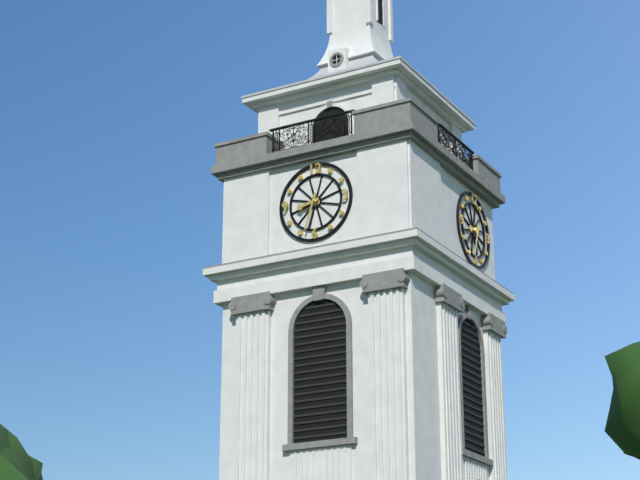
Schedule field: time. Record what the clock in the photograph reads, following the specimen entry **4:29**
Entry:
**8:33**
